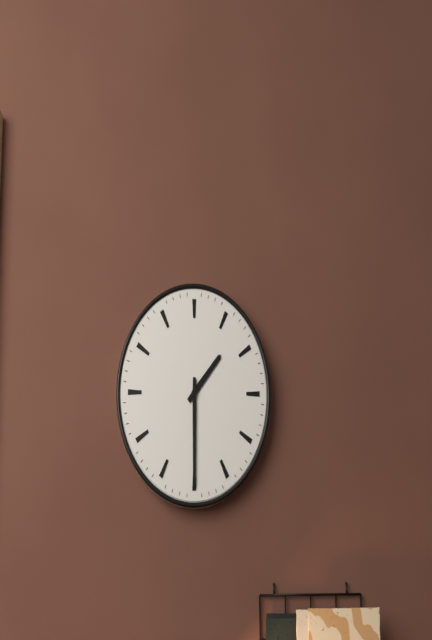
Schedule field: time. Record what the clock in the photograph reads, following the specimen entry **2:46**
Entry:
**1:30**
